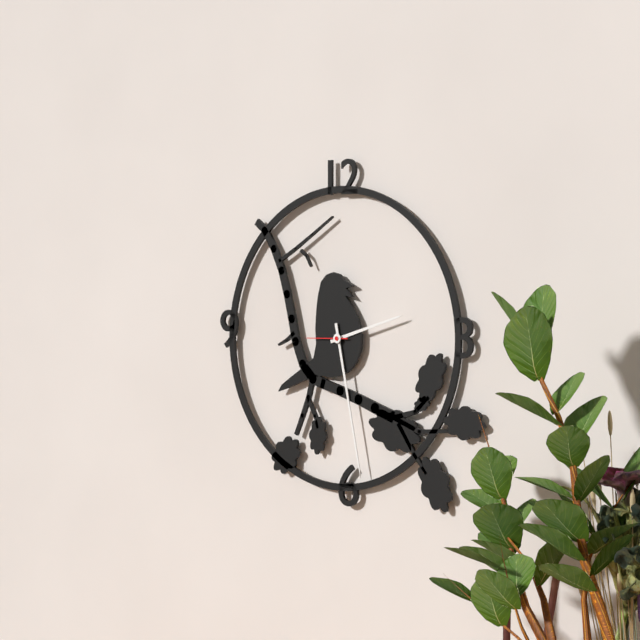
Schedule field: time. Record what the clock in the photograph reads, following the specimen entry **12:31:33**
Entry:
**2:28:45**
